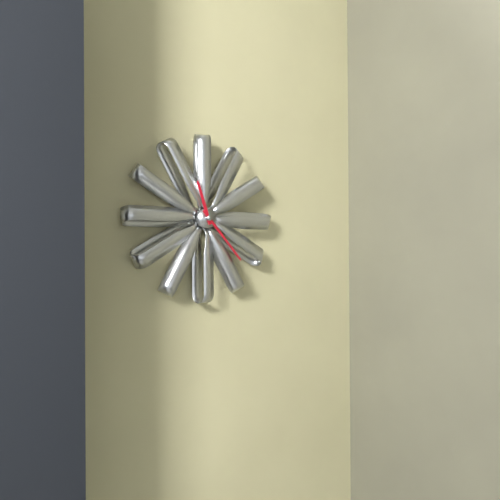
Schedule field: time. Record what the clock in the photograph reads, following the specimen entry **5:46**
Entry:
**11:23**
